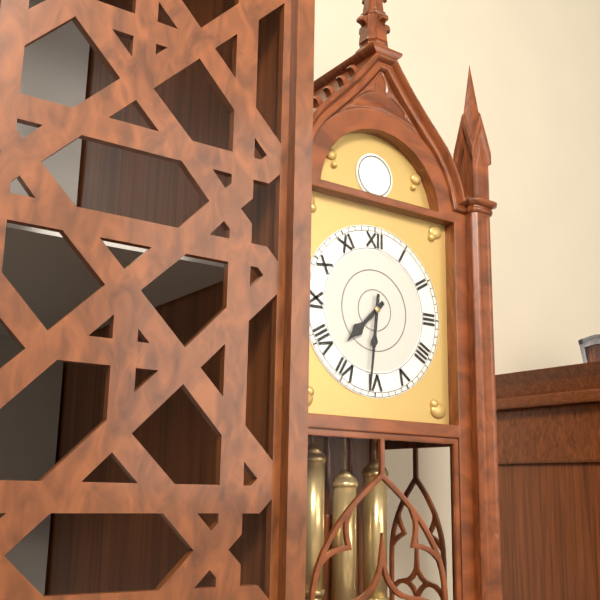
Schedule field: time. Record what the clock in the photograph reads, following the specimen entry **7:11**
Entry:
**7:31**
